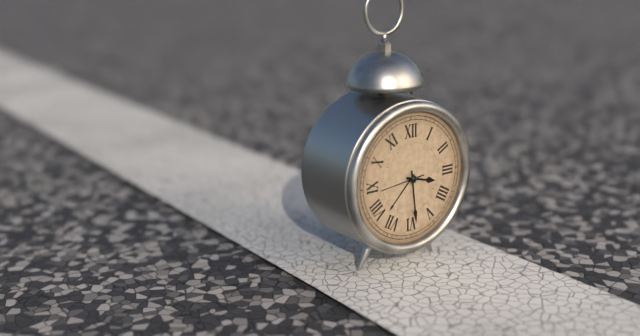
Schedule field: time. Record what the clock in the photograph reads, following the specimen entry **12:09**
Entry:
**3:29**
